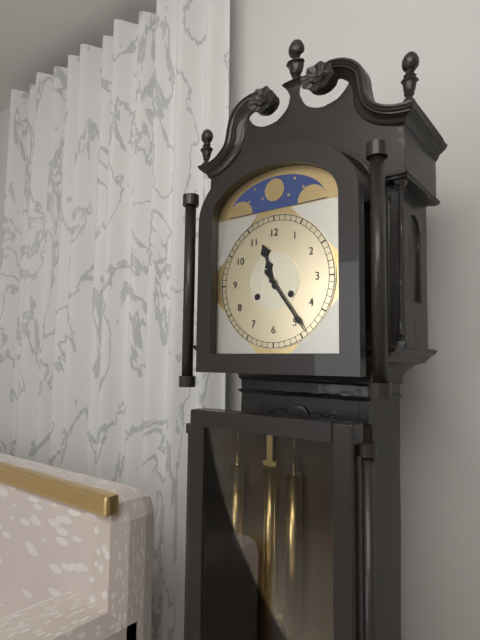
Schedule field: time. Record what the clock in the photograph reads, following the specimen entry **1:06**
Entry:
**11:24**
